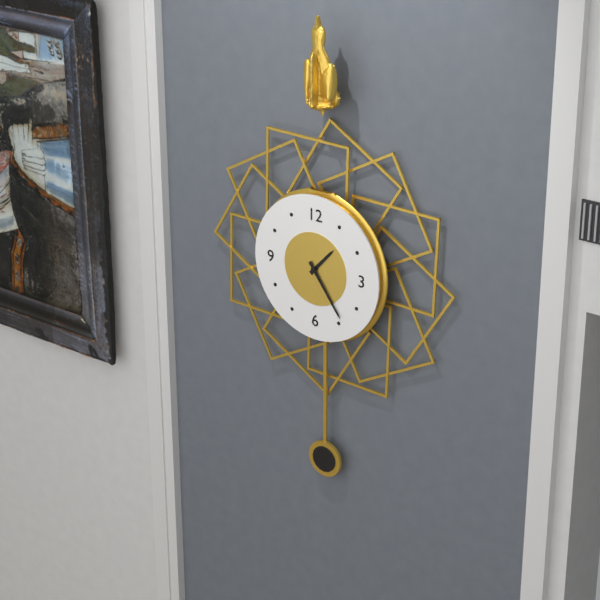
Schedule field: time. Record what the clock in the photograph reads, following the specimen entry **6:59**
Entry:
**1:24**
